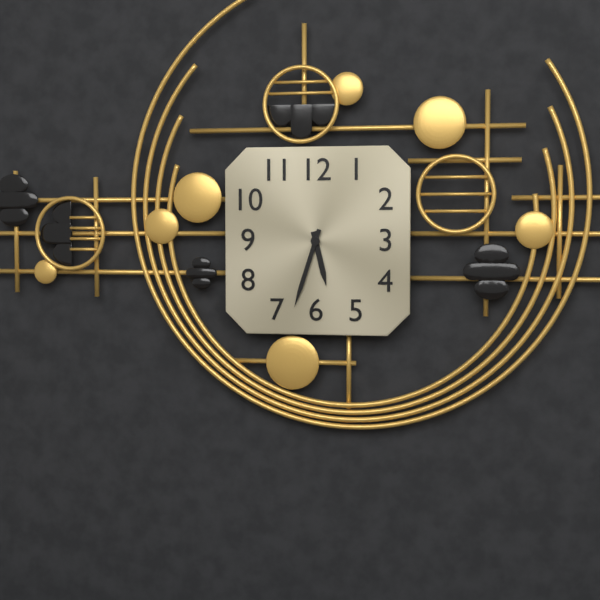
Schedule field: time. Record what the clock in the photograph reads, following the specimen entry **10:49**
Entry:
**5:33**
